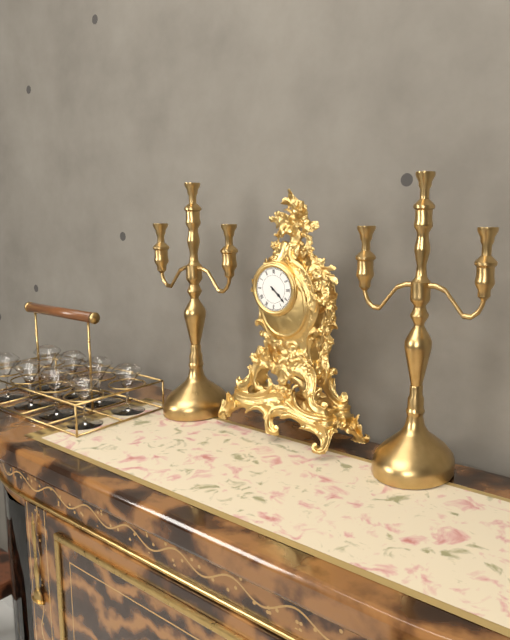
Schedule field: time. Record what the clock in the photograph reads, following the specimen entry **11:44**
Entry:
**4:22**
